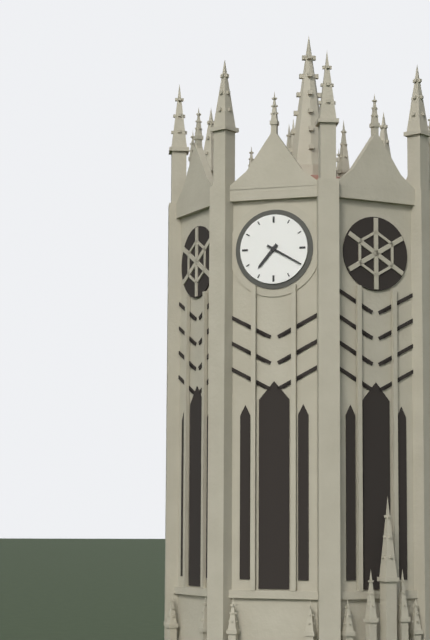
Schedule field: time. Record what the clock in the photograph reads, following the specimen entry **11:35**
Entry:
**7:20**
